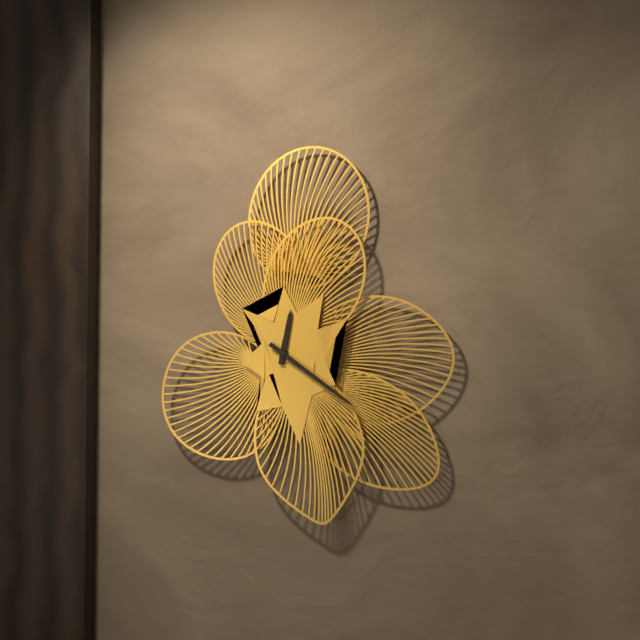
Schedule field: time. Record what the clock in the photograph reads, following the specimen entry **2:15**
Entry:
**12:21**
